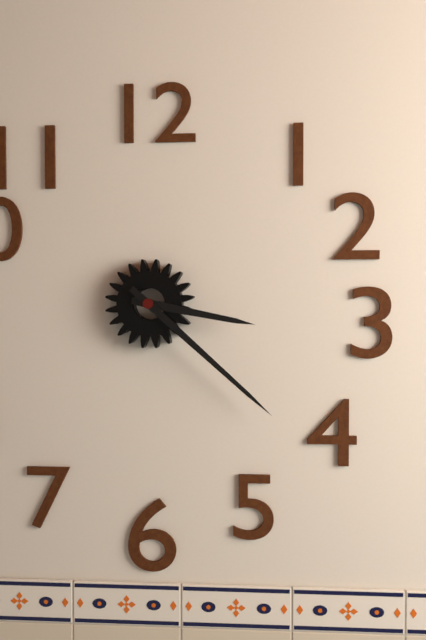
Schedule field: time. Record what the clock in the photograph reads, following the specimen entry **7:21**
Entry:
**3:22**
